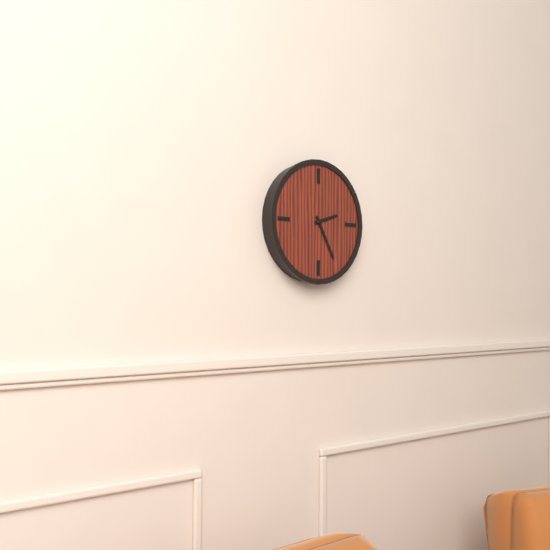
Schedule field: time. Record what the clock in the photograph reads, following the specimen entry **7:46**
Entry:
**2:25**
